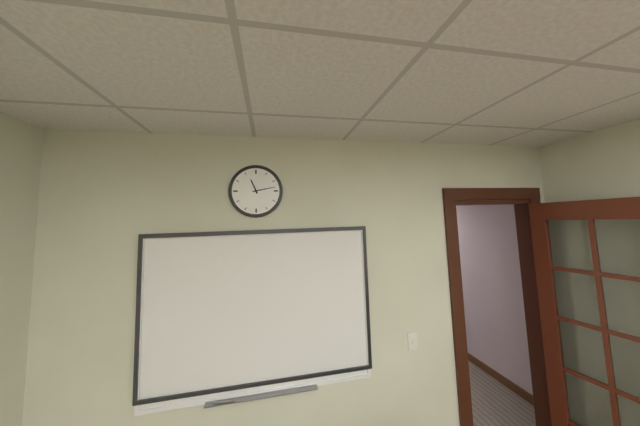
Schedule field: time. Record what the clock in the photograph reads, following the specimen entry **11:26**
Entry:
**11:13**
